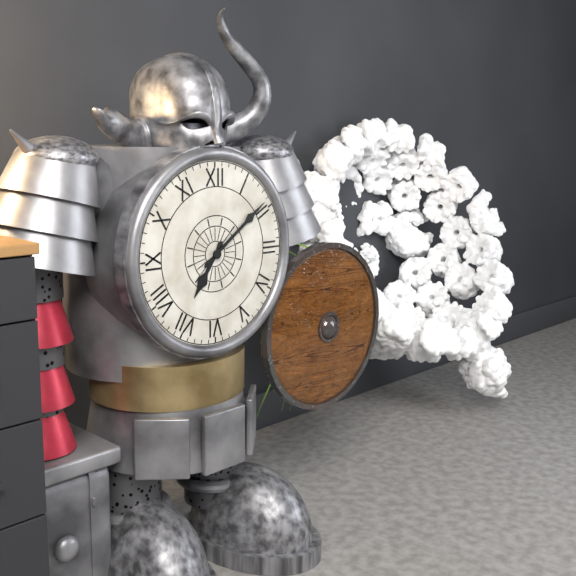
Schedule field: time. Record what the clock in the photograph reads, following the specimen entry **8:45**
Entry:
**7:09**
